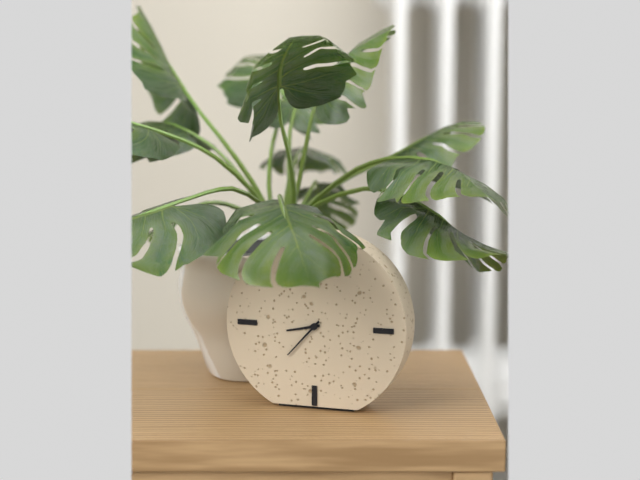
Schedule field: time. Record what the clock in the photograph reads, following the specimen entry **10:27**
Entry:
**8:37**
